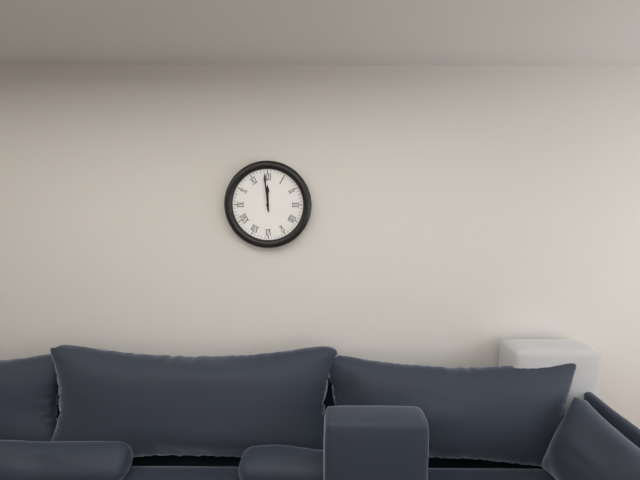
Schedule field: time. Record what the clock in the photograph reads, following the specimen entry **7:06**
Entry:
**11:59**
